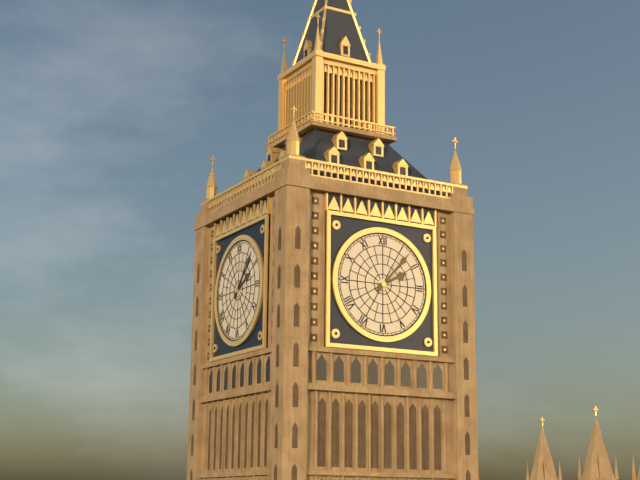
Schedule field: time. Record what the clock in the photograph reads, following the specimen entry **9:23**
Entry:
**2:07**
